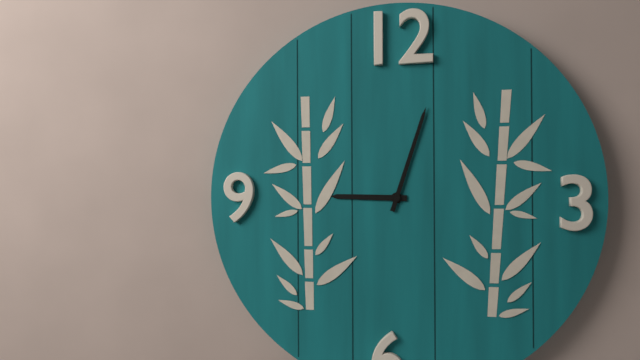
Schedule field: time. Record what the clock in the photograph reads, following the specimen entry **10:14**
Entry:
**9:03**
